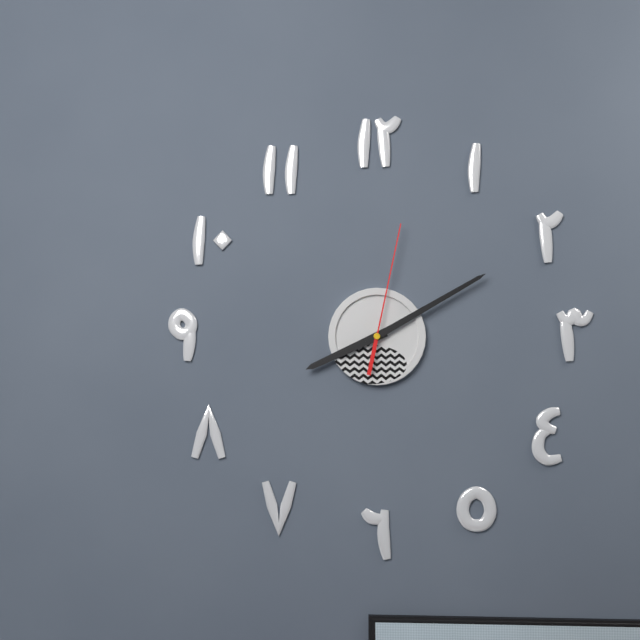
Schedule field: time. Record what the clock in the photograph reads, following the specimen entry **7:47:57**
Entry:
**8:10:02**
